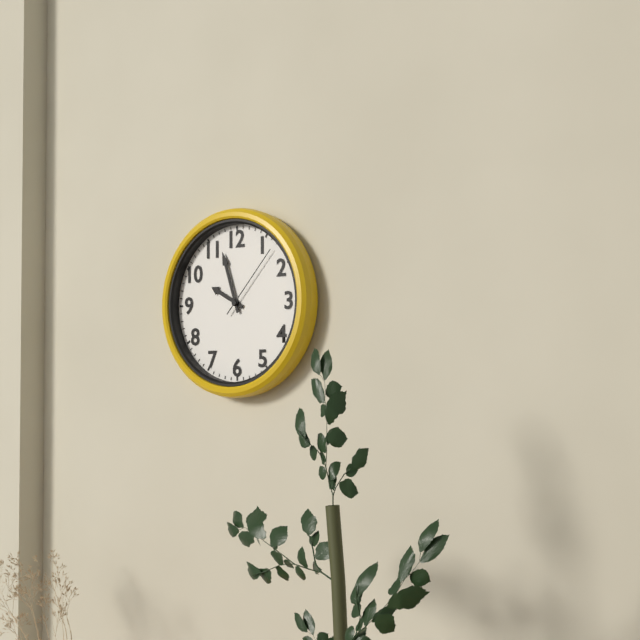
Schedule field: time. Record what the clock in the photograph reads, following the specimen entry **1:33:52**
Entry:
**9:57:07**
